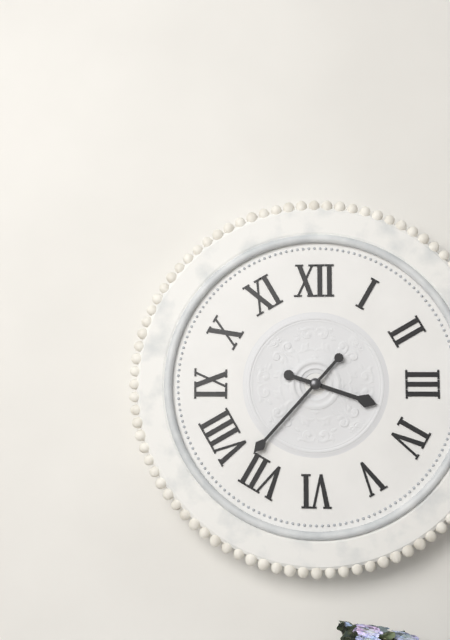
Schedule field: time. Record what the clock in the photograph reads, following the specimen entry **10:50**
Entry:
**3:37**
